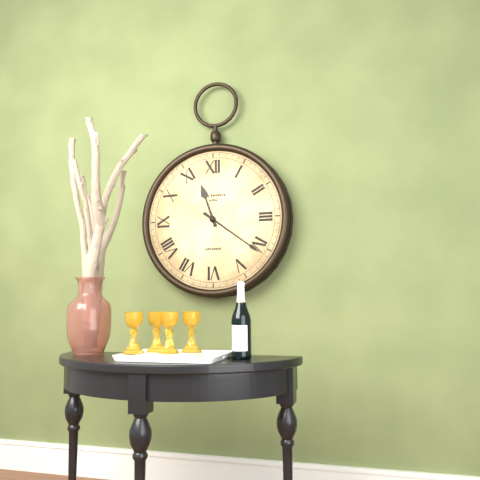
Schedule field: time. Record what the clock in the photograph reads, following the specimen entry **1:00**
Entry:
**11:21**
